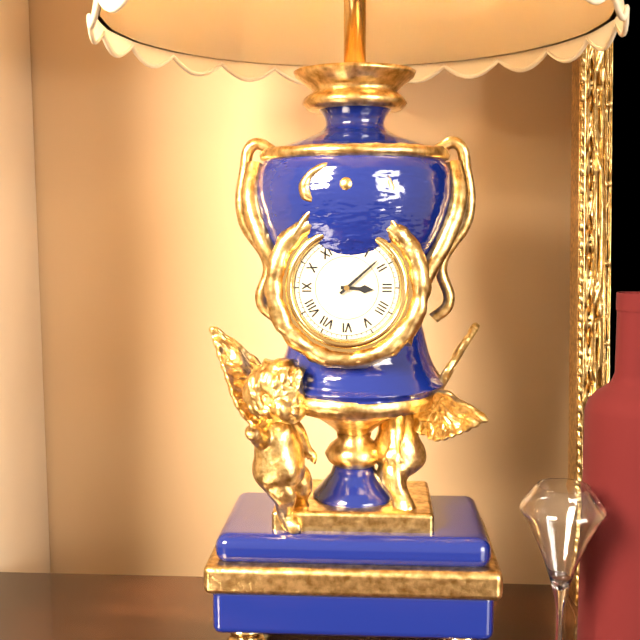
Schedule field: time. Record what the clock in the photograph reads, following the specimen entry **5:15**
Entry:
**3:08**
